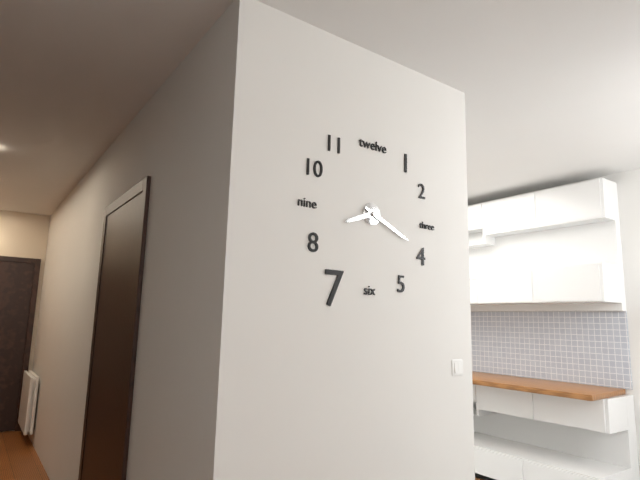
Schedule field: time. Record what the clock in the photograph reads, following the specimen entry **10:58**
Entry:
**8:19**
